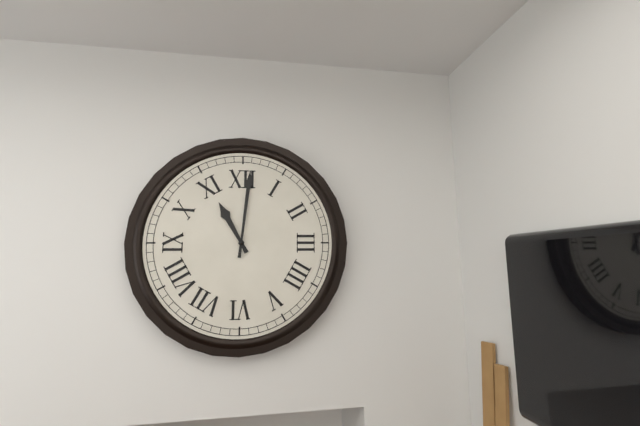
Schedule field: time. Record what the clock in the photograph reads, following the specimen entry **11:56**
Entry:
**11:01**
